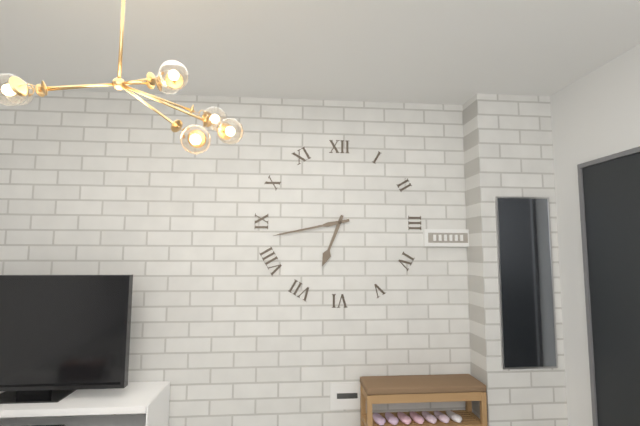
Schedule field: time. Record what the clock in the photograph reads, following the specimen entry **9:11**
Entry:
**6:43**
